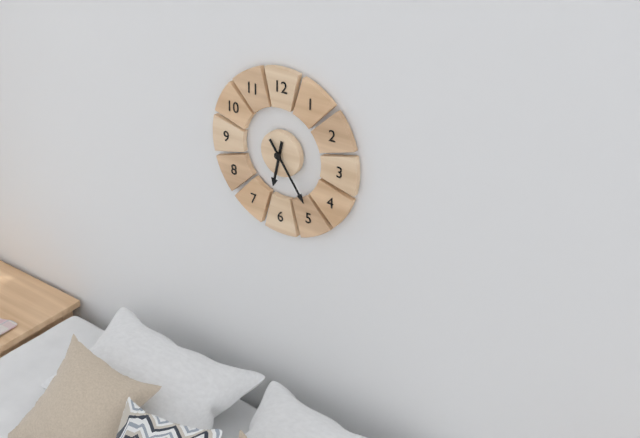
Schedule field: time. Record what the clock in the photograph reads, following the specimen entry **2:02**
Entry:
**6:24**
